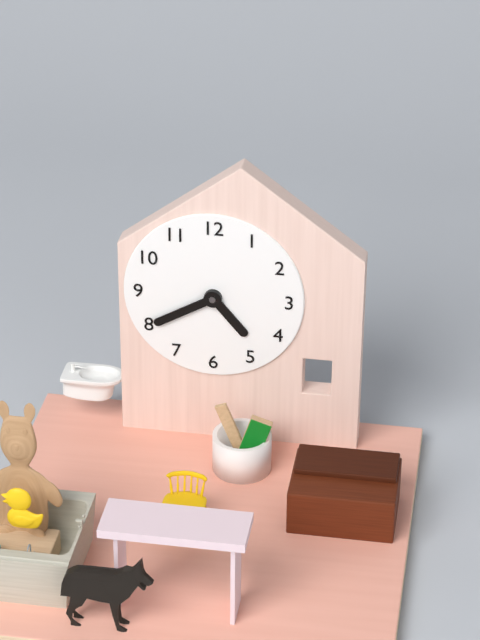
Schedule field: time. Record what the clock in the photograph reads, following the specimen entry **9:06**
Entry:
**4:40**
